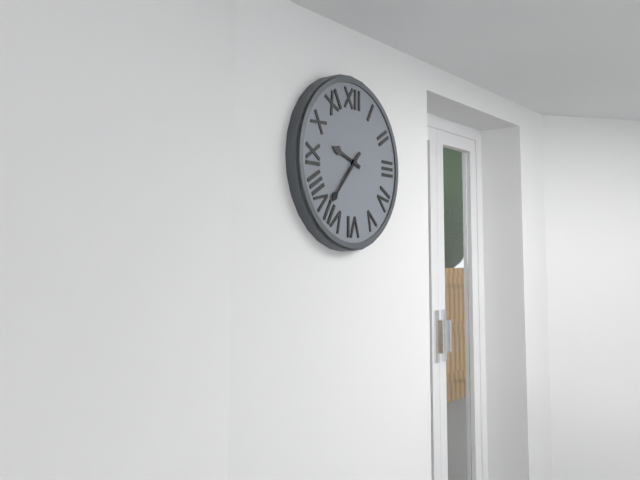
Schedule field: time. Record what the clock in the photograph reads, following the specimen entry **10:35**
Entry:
**9:37**
